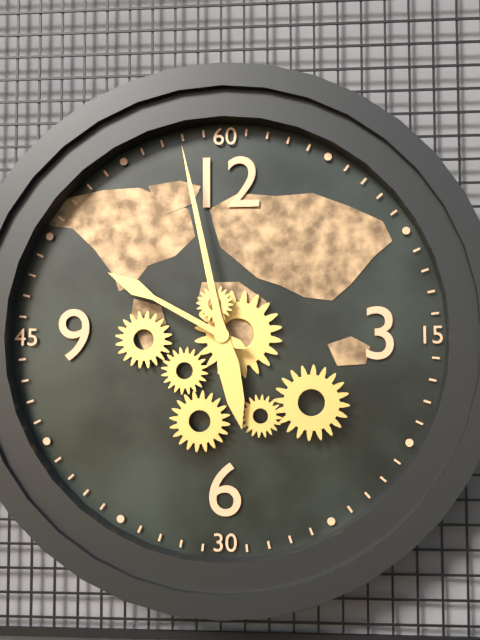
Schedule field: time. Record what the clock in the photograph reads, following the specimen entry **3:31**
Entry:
**9:58**
